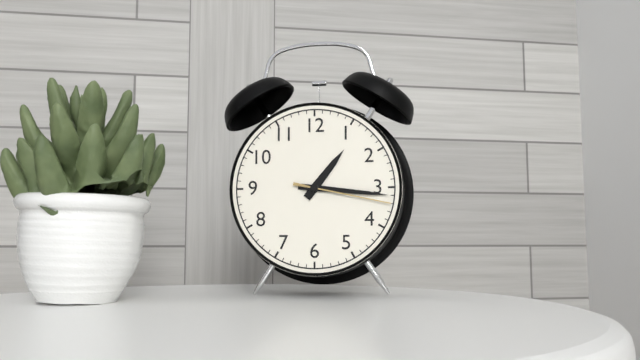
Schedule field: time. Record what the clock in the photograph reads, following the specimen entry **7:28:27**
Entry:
**1:16:17**
